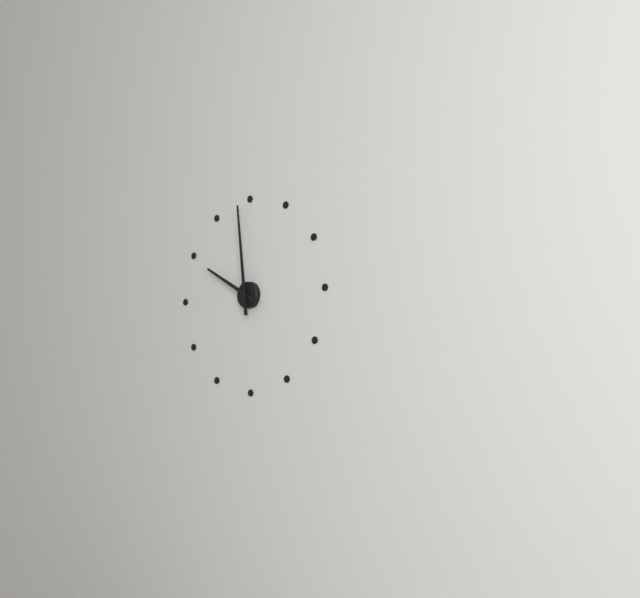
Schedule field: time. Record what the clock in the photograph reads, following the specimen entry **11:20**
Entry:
**9:59**
